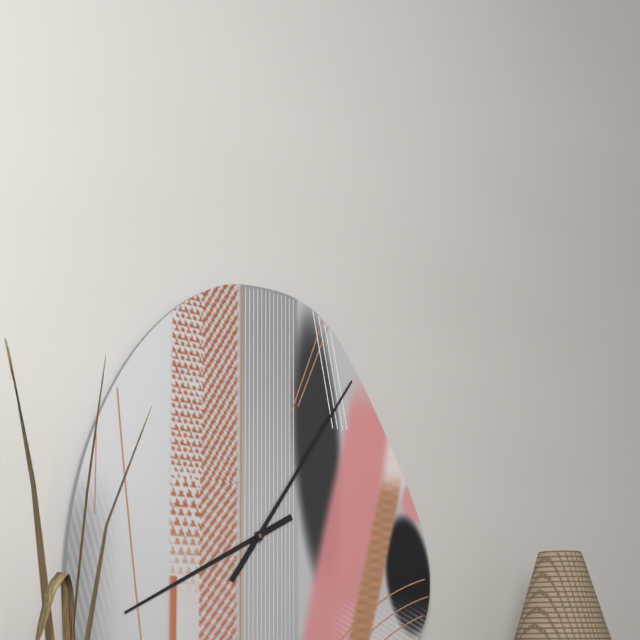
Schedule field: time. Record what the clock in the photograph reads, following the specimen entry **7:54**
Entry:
**8:06**
